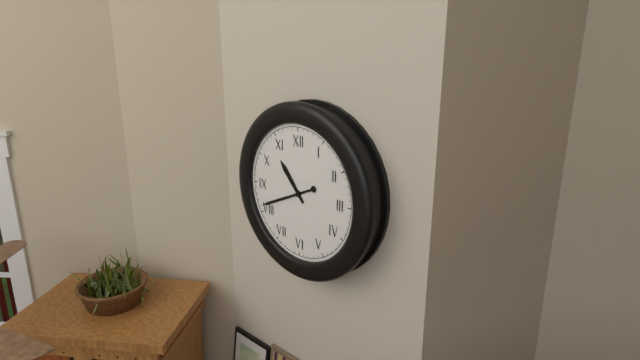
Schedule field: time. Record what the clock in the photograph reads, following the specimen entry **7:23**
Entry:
**10:41**
